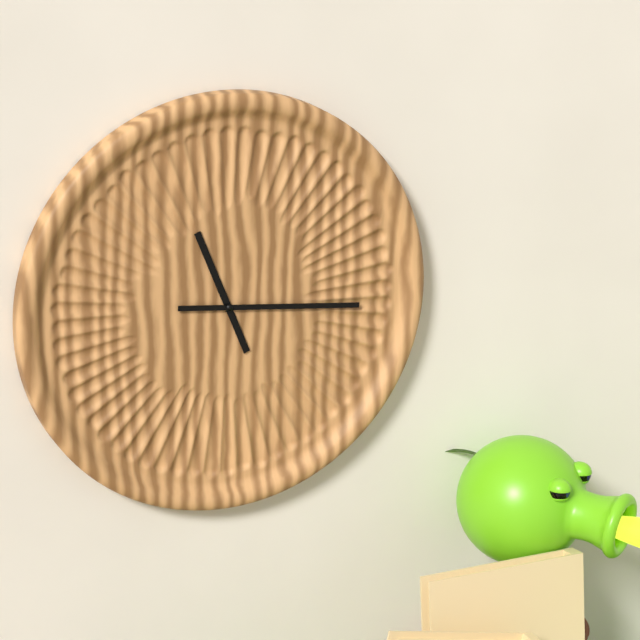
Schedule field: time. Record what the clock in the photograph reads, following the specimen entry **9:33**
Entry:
**11:16**
